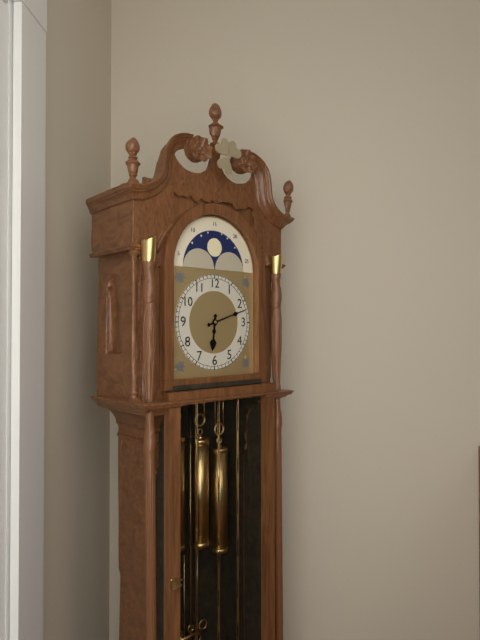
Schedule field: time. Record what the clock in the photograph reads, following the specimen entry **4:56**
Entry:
**6:12**
